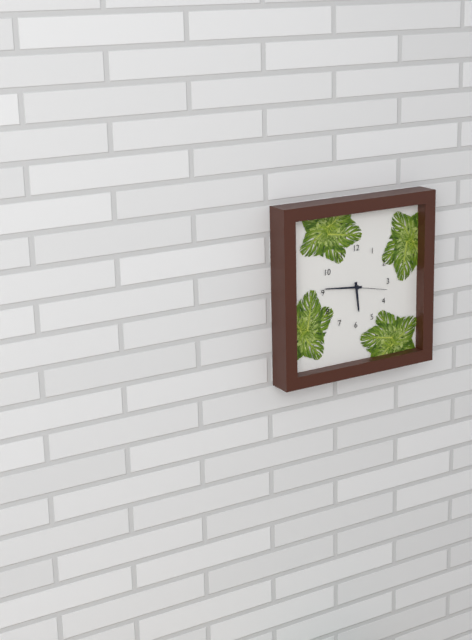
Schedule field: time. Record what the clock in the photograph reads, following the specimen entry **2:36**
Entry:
**5:46**
